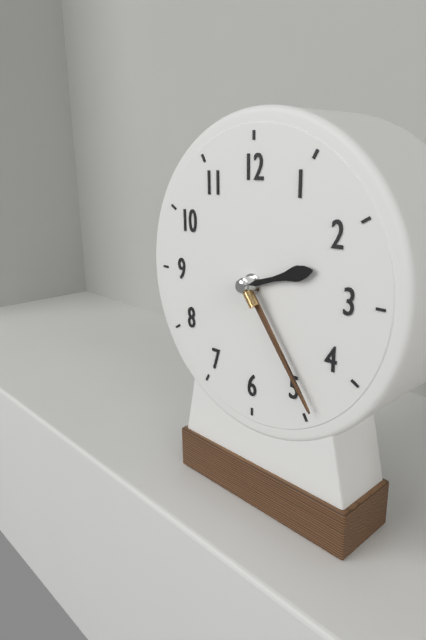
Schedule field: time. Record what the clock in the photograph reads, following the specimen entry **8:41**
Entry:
**2:24**
